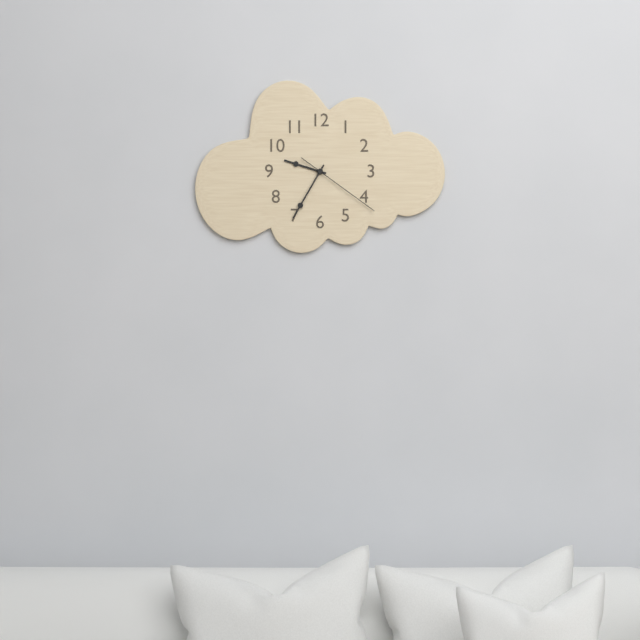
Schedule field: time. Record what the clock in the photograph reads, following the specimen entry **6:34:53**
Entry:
**9:35:21**
